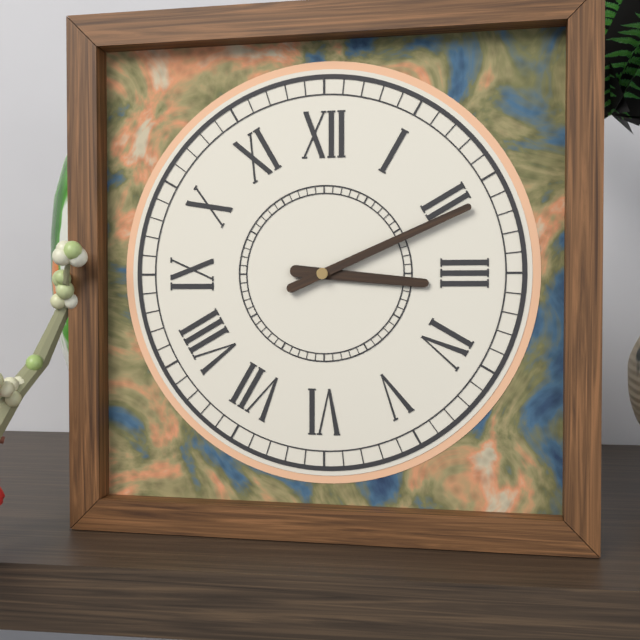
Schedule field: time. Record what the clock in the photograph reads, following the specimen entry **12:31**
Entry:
**3:11**
